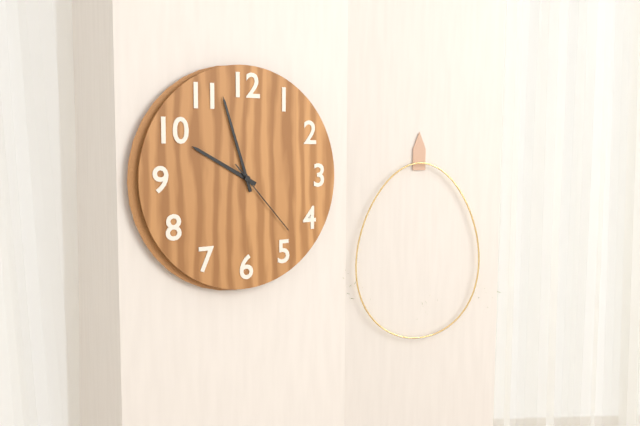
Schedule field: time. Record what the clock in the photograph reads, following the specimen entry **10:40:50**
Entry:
**9:57:23**
